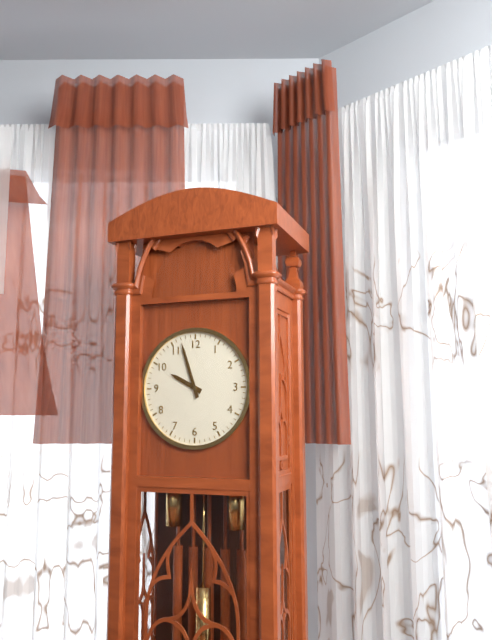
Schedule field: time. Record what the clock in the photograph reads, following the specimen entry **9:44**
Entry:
**9:57**
